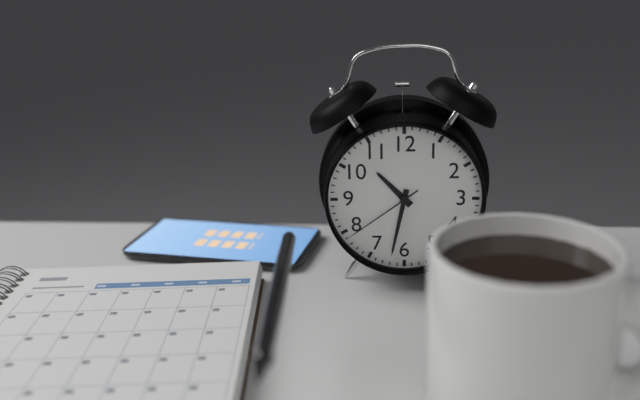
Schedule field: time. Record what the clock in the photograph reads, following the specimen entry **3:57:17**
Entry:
**10:32:39**
